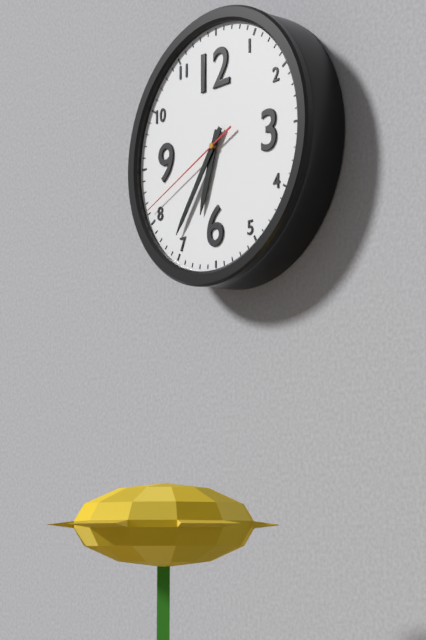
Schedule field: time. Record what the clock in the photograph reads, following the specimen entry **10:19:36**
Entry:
**6:36:41**
